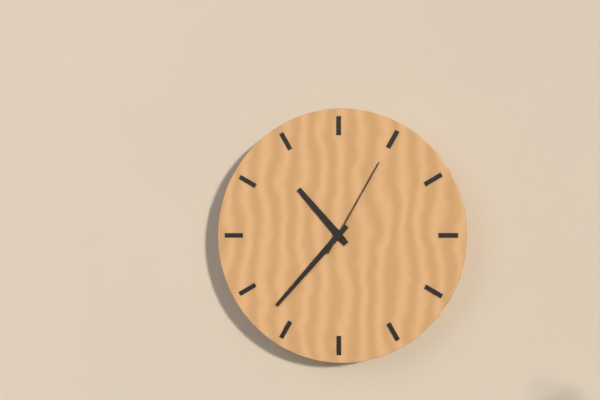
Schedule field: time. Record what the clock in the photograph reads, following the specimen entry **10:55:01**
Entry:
**10:37:05**
